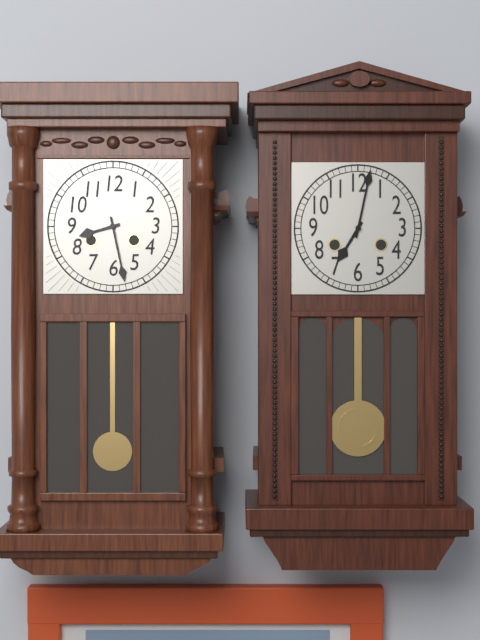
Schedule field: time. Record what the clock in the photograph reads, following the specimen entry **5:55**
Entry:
**8:28**
